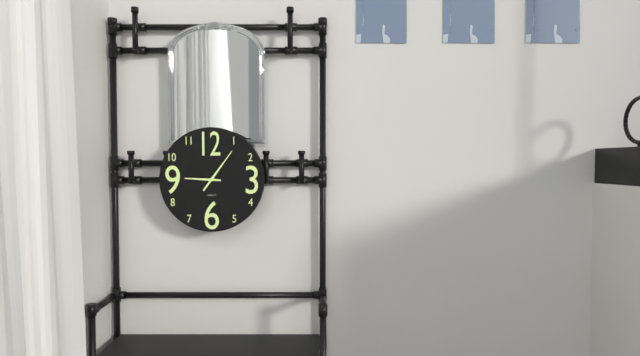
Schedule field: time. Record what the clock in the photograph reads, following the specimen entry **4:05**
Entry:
**9:06**
